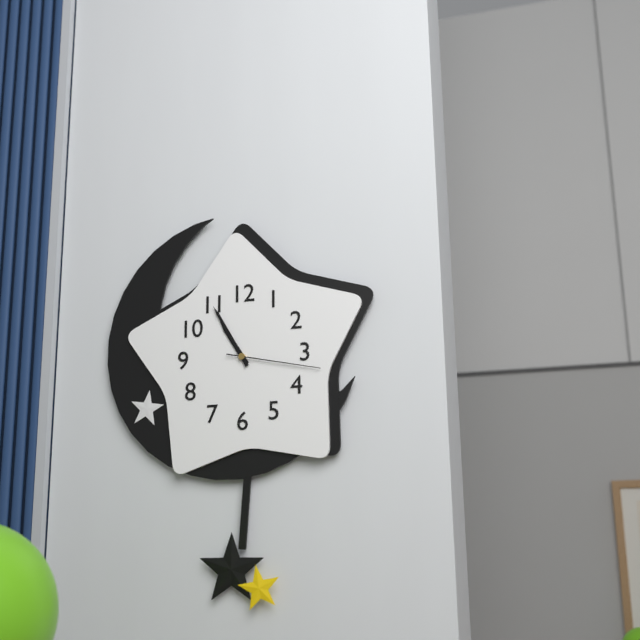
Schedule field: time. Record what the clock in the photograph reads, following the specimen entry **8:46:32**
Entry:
**10:55:17**
